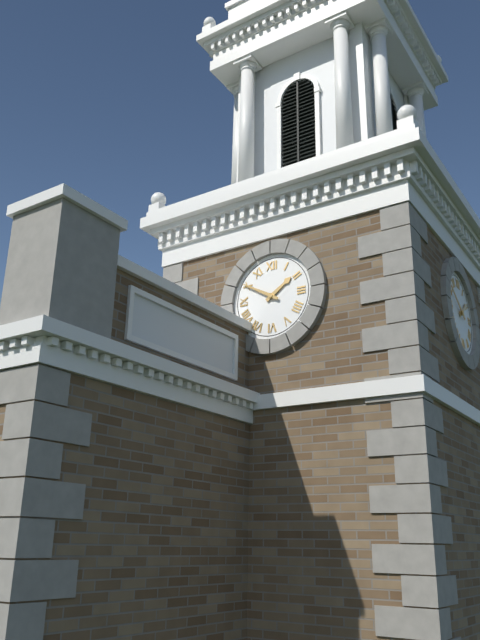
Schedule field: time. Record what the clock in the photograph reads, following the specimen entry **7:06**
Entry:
**1:50**
